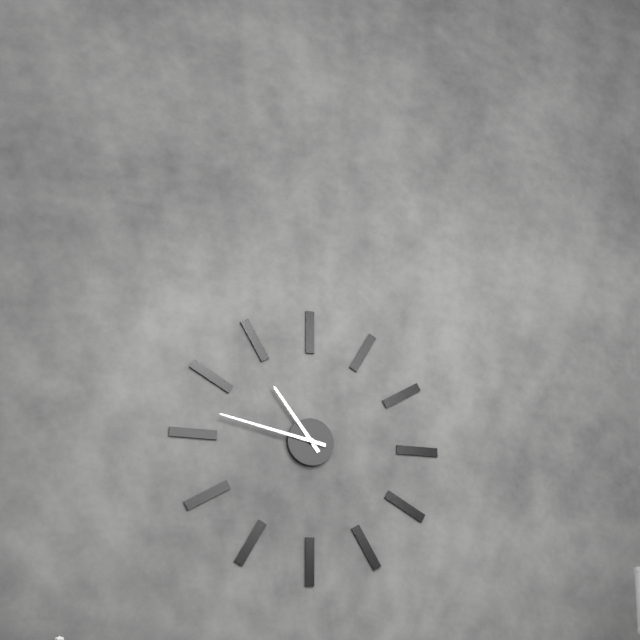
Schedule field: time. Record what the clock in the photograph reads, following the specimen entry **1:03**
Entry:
**10:47**
